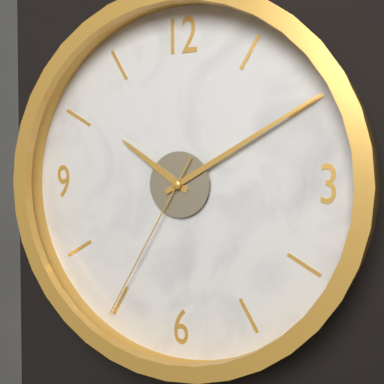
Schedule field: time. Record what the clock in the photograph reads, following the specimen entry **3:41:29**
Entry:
**10:10:35**
